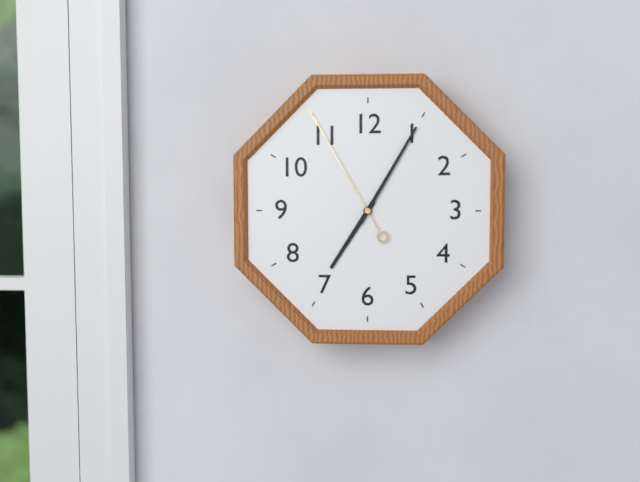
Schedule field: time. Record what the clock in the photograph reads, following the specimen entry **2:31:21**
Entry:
**7:05:55**
